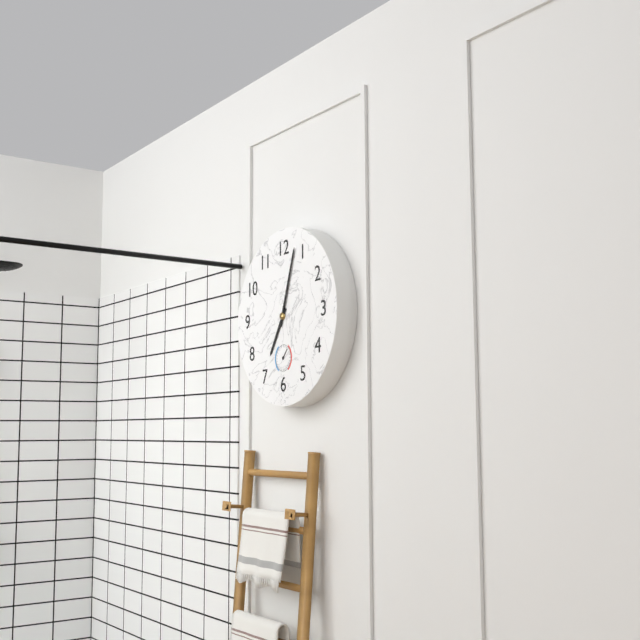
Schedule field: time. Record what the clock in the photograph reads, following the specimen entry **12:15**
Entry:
**7:03**
